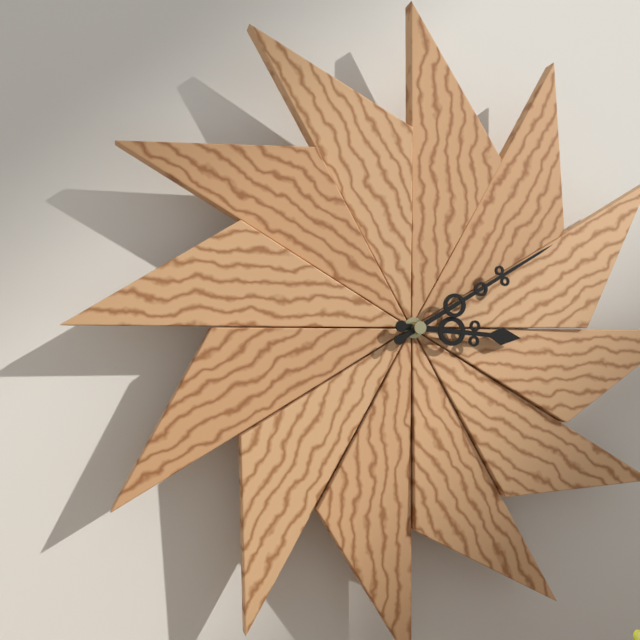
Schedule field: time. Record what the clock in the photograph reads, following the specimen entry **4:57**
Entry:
**3:10**
